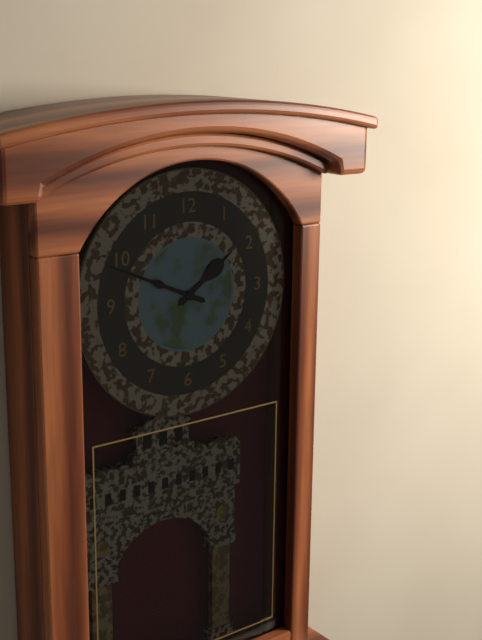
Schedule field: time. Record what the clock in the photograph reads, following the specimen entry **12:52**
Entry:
**1:49**
